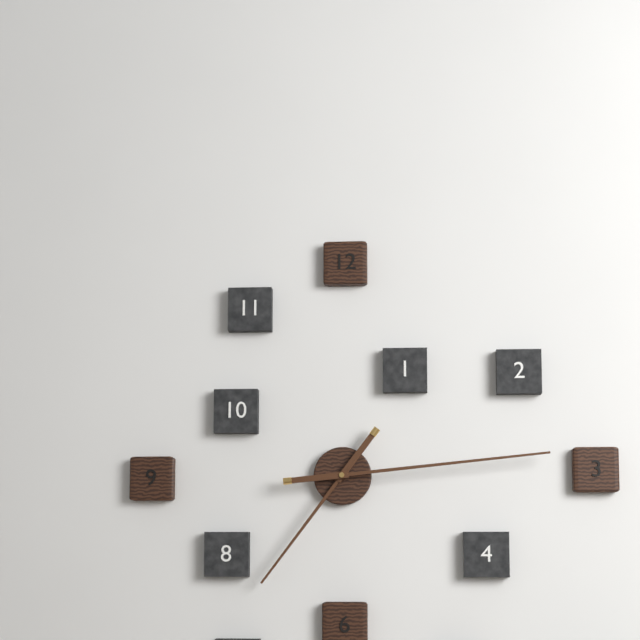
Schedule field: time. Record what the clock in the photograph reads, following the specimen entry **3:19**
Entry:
**7:14**
